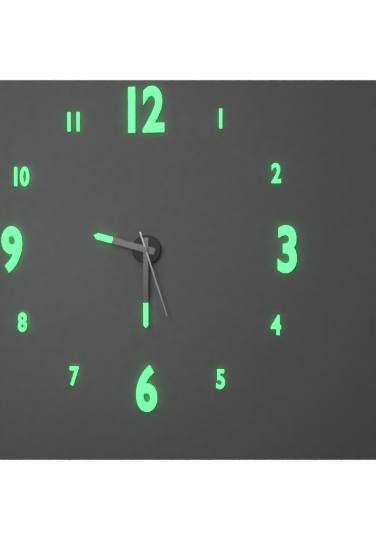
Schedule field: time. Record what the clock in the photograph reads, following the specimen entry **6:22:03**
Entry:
**9:30:27**
